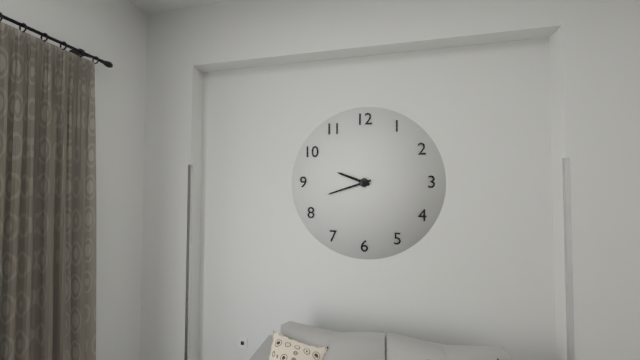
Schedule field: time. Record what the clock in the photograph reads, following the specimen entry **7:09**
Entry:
**9:42**
